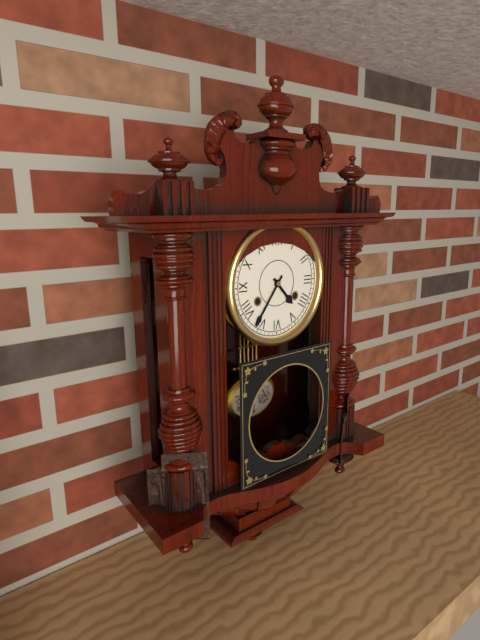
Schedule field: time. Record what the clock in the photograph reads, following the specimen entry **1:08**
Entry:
**4:36**
